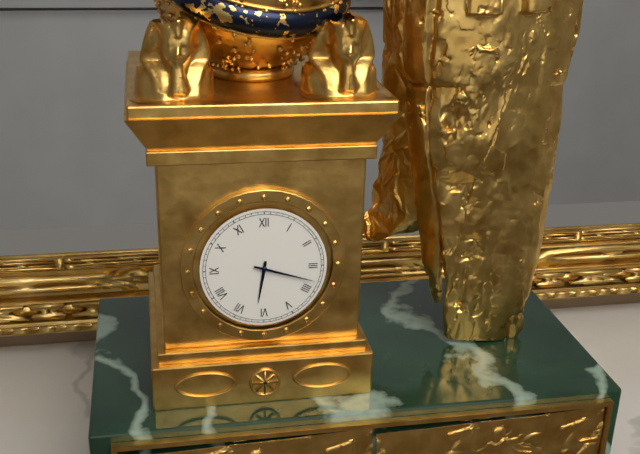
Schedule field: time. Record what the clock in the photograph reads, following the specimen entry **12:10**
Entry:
**6:18**
